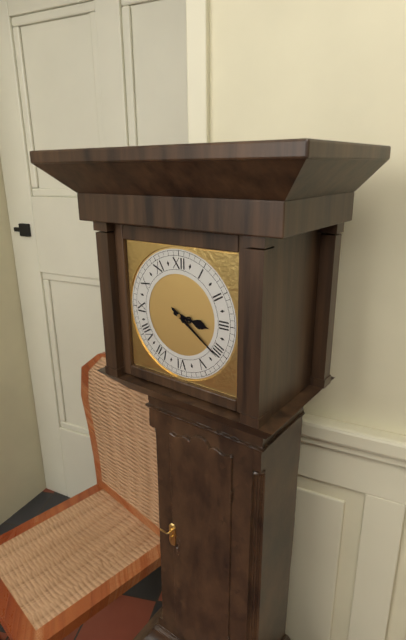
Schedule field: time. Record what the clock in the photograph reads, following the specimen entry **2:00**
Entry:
**3:21**
